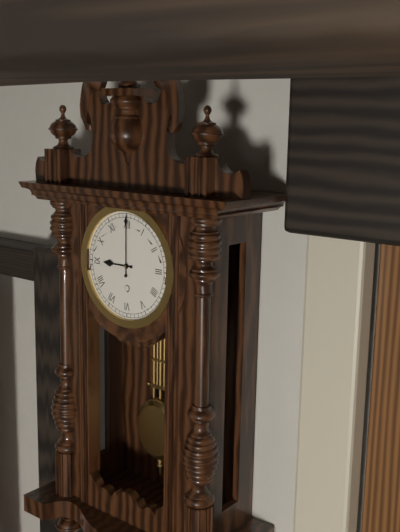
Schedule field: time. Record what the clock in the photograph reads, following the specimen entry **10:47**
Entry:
**9:00**
